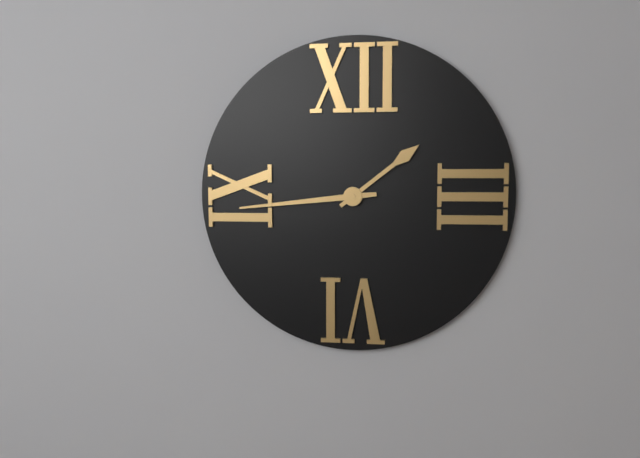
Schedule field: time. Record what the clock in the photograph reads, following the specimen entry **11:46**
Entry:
**1:44**
